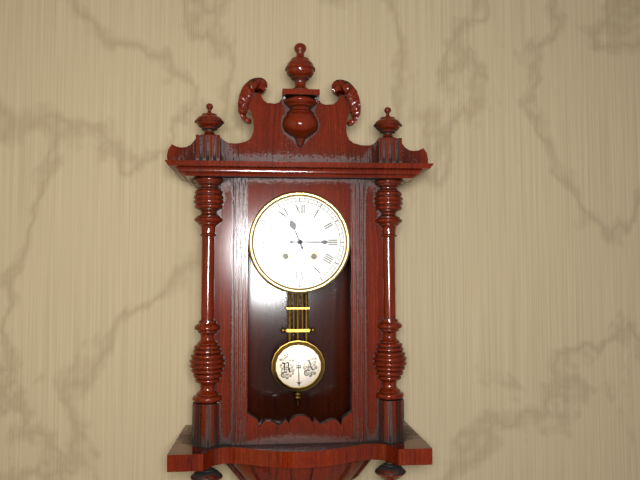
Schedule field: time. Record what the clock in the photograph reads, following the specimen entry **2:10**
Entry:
**11:15**
